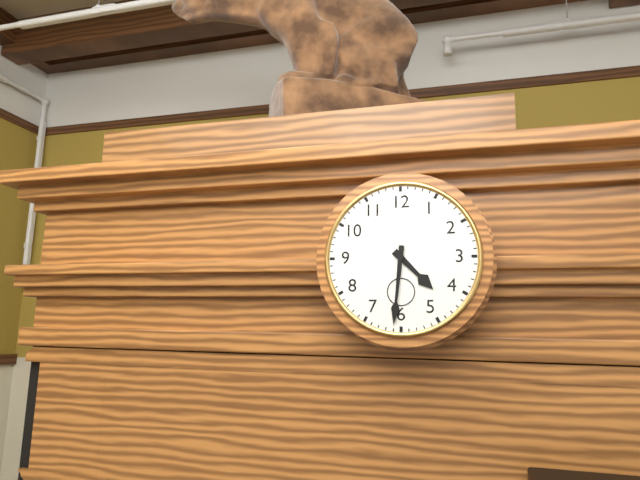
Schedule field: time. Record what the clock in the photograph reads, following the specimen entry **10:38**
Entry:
**4:31**
